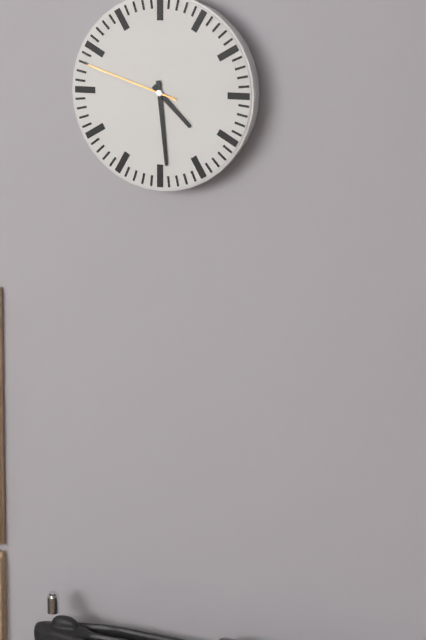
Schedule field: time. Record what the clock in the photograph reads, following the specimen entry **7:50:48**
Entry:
**4:29:48**
